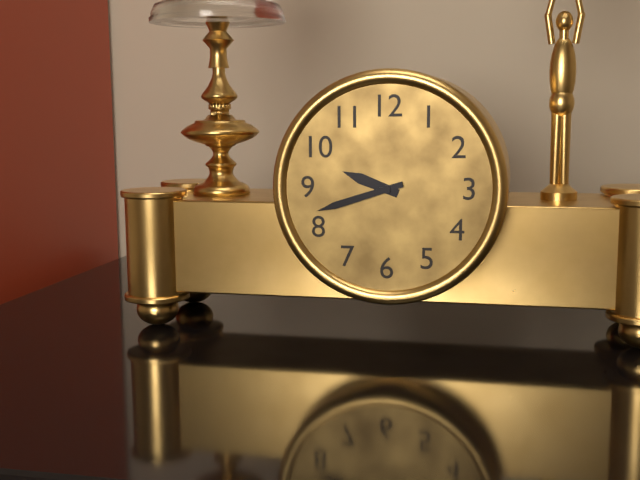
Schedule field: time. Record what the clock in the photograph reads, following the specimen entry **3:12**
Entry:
**9:42**
